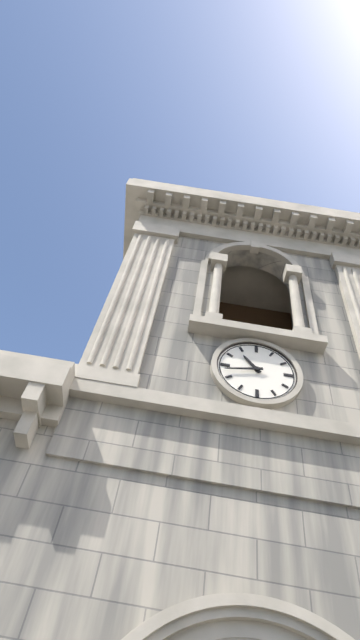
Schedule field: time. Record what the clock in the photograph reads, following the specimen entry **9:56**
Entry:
**10:43**
